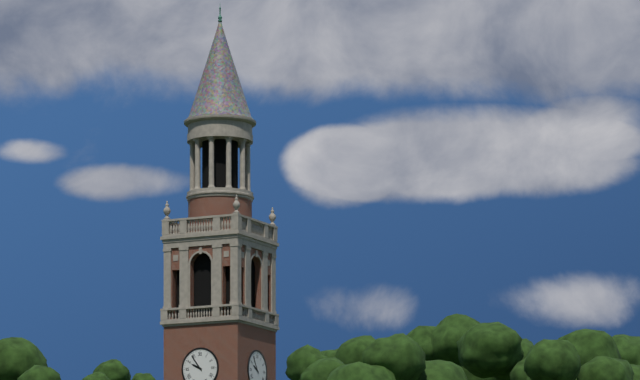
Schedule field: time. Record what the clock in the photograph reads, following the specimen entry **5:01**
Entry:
**9:54**
